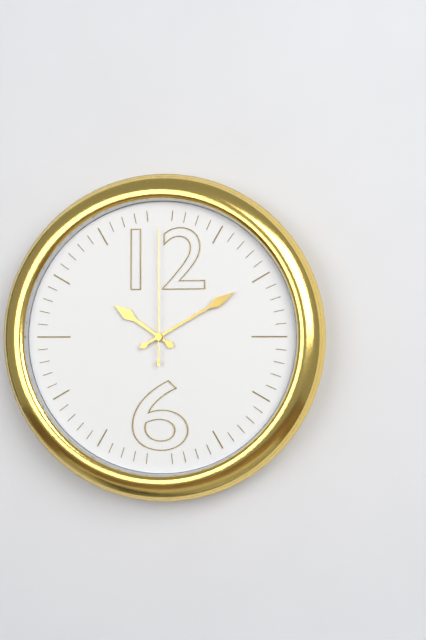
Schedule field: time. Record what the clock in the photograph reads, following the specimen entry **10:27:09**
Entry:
**10:10:00**
